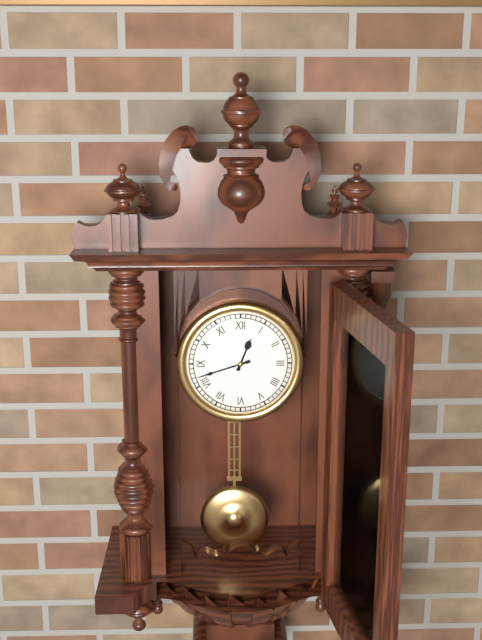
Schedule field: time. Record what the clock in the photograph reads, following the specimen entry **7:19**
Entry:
**12:42**
